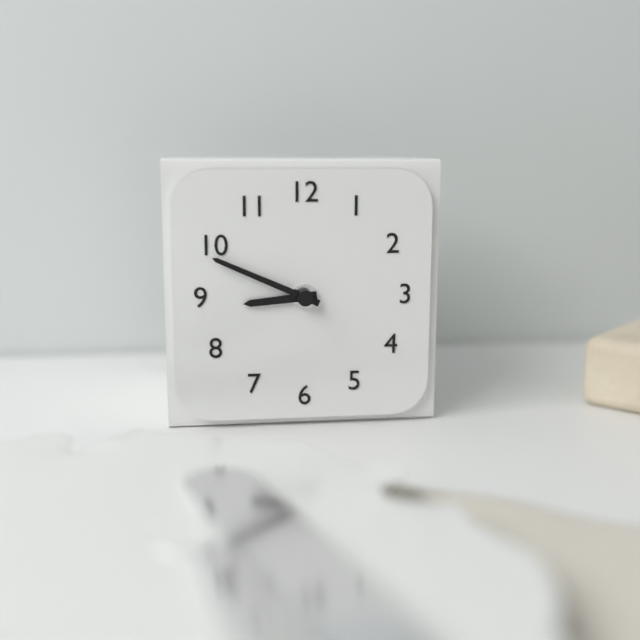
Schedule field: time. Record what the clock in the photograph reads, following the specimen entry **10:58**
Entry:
**8:49**
